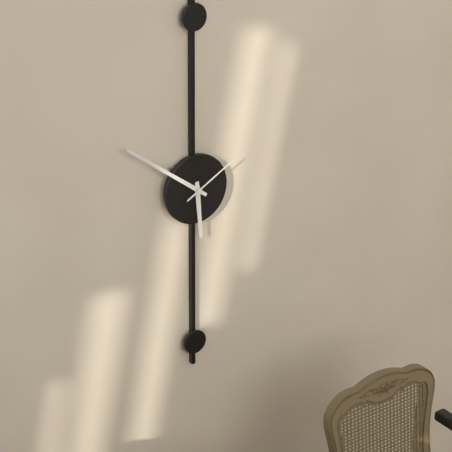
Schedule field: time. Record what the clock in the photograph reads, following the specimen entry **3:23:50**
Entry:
**5:51:10**
